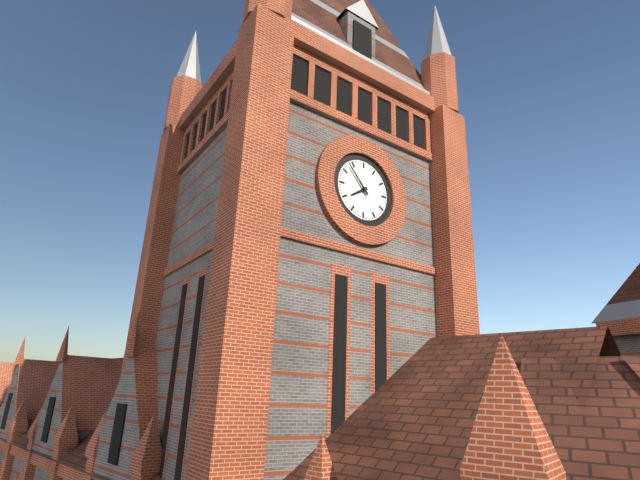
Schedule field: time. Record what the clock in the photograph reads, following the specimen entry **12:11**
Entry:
**7:53**
